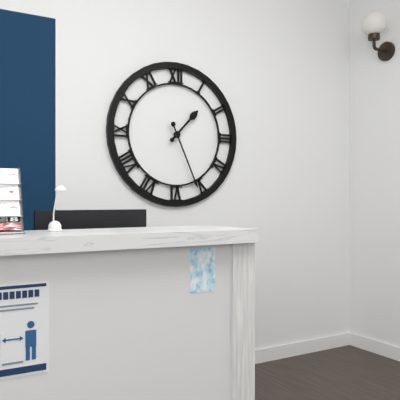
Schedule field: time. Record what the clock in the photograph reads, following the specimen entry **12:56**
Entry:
**1:26**
